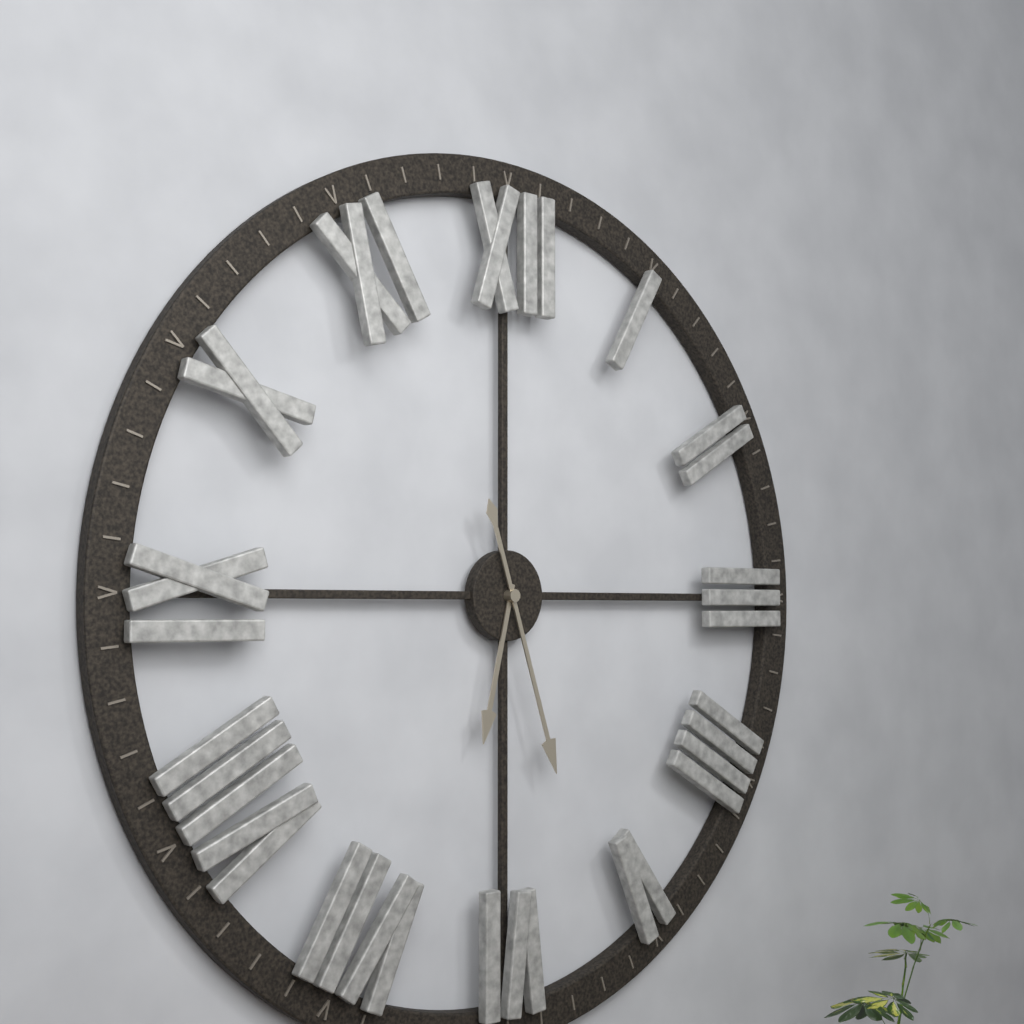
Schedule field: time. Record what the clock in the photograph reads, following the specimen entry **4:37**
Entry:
**6:27**
